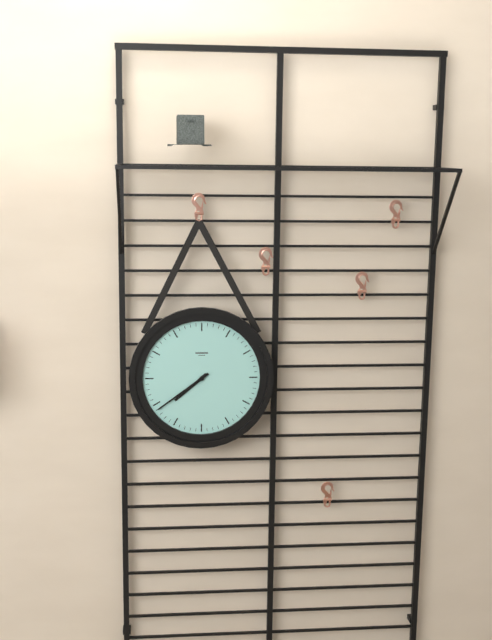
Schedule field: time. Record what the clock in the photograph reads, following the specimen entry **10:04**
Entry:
**7:39**
